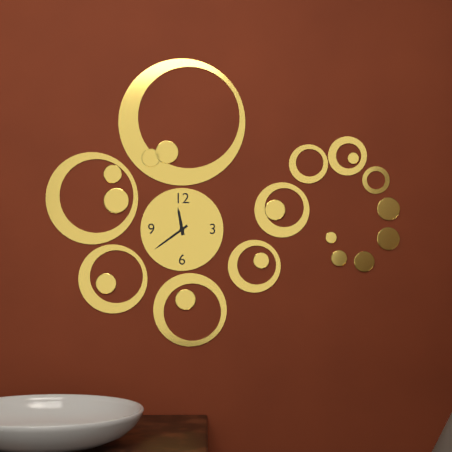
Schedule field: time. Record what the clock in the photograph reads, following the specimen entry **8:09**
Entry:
**11:39**
